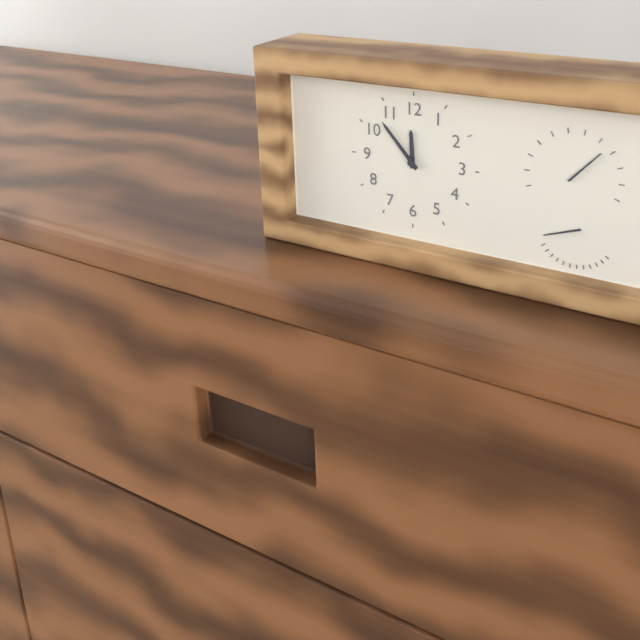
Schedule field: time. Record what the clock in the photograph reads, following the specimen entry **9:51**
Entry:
**11:53**
